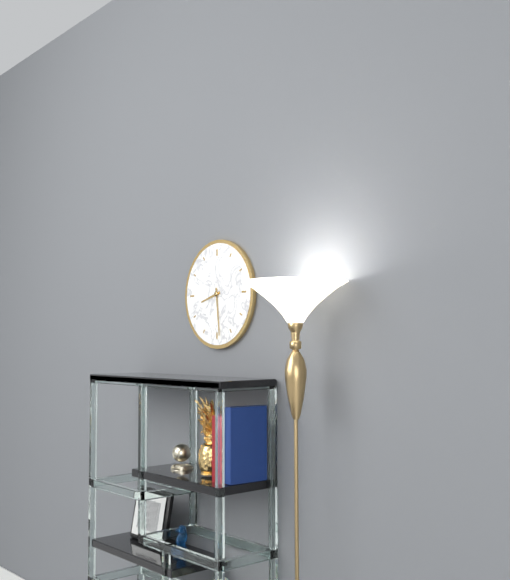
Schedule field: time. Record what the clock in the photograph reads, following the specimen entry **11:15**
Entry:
**8:29**
